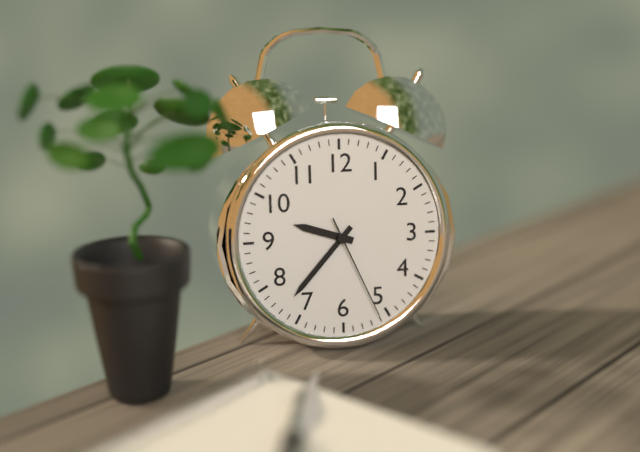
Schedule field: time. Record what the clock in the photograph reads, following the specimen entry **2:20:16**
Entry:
**9:37:26**
